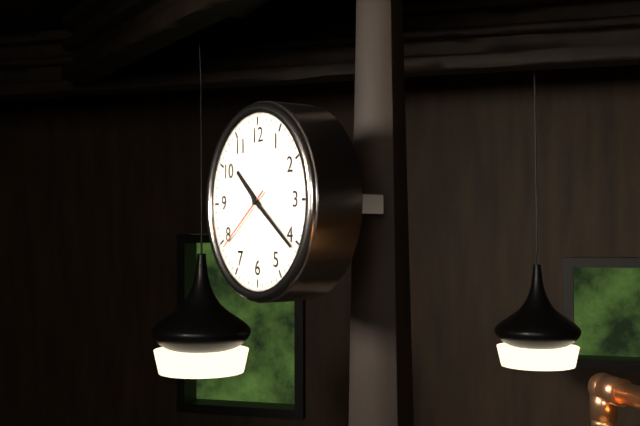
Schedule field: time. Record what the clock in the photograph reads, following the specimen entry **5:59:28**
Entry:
**10:21:39**
